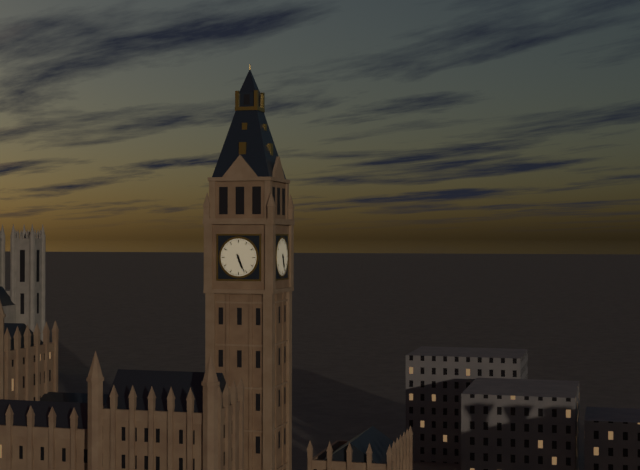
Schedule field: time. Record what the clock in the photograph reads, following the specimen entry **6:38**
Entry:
**5:26**
